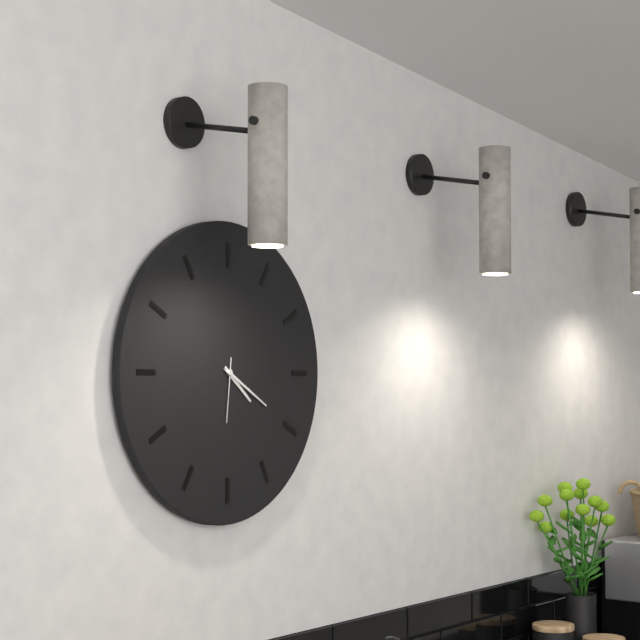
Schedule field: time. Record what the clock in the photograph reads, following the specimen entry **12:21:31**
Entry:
**4:20:31**
